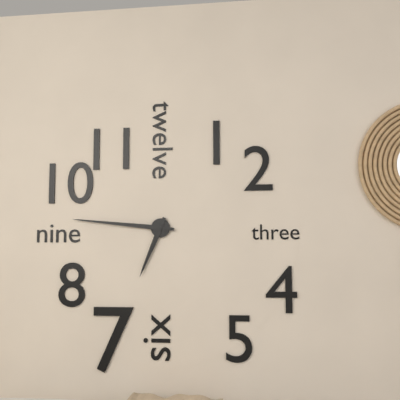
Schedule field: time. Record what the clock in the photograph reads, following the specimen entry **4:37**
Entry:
**6:46**
